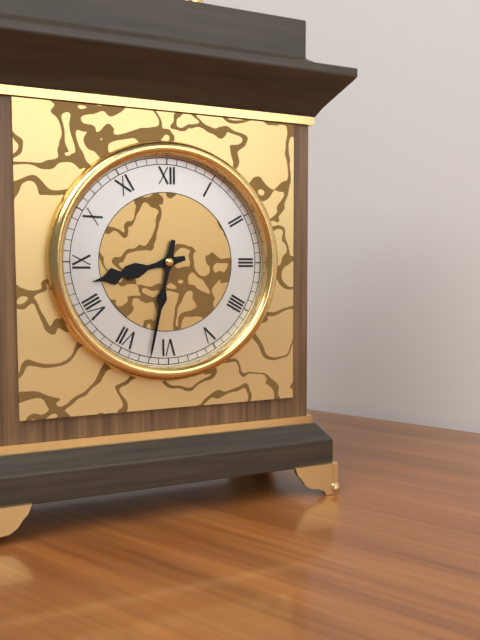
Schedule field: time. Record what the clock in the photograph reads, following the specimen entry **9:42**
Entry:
**8:32**
